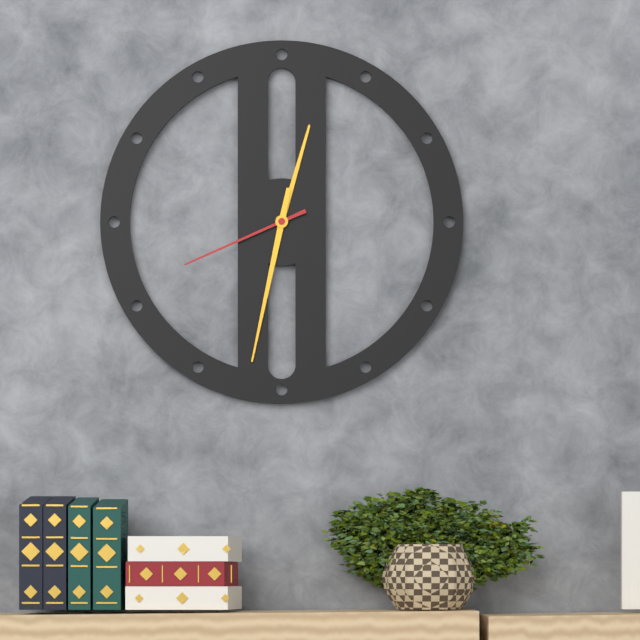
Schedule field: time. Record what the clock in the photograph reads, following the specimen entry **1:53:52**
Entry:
**12:32:41**
